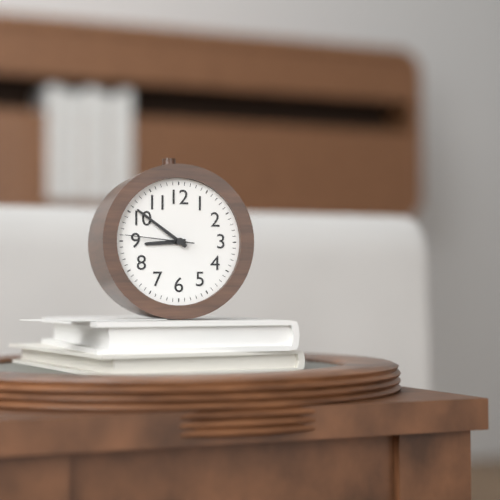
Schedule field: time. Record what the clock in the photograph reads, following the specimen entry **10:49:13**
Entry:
**8:51:46**
